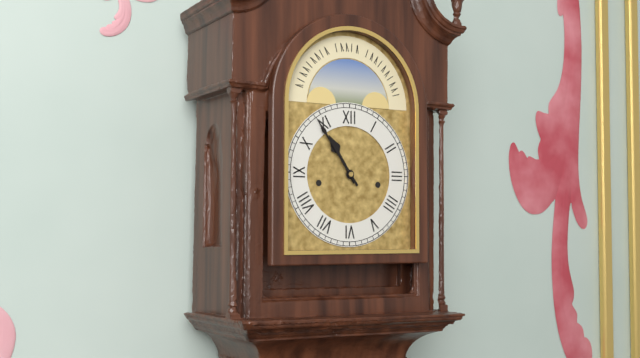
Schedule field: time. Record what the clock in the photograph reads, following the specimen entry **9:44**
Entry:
**10:54**
